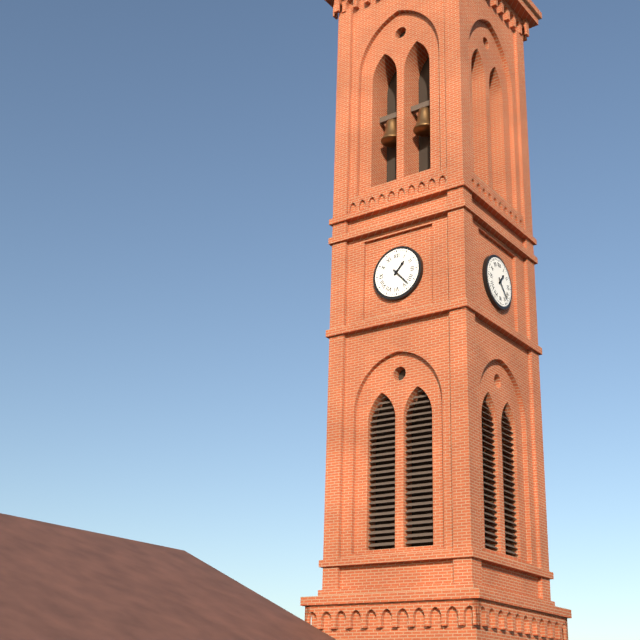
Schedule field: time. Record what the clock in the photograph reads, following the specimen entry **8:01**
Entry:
**1:23**
